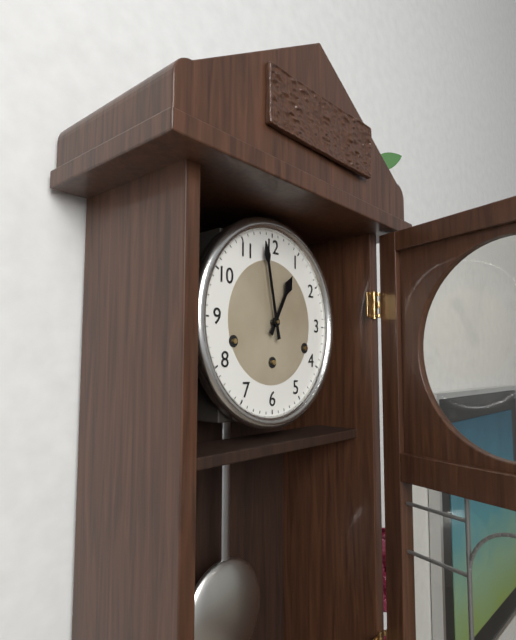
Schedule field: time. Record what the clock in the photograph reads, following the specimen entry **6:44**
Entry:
**12:58**
